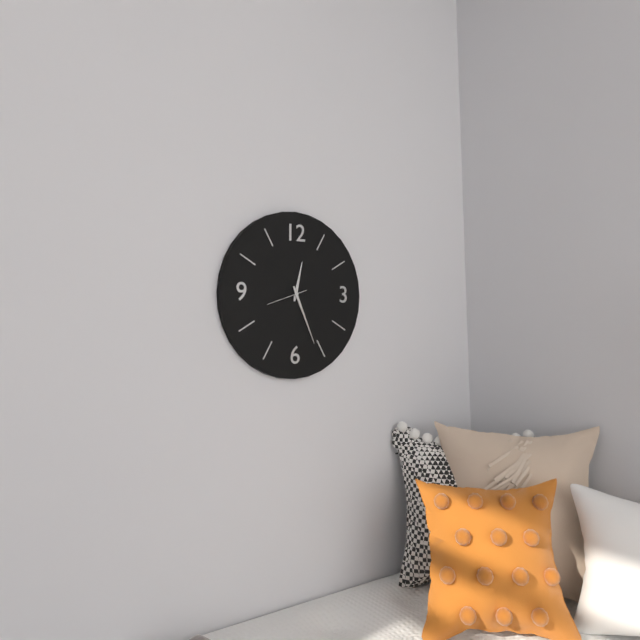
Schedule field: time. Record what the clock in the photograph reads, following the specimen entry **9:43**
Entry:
**12:26**
